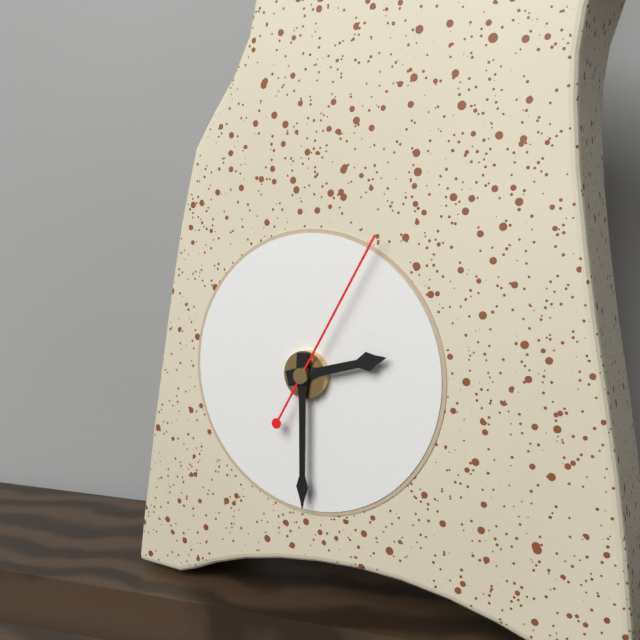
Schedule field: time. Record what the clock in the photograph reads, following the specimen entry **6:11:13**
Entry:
**2:30:05**
